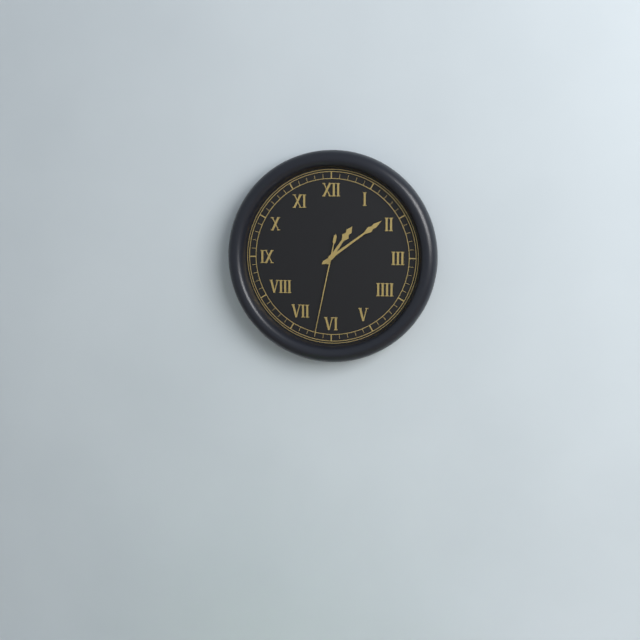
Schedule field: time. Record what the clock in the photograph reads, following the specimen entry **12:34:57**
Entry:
**1:09:32**
